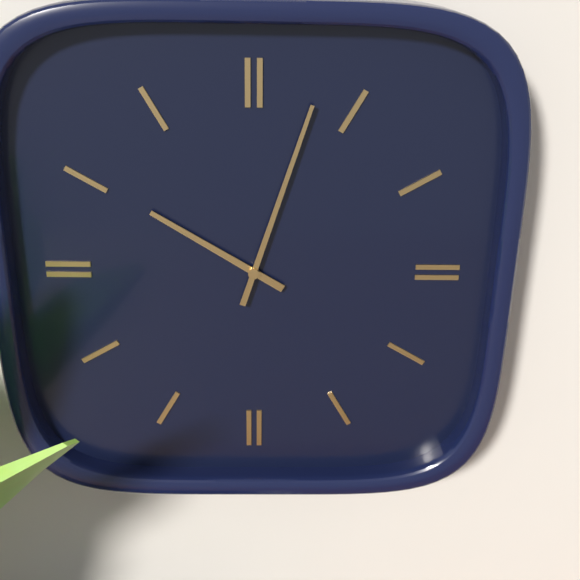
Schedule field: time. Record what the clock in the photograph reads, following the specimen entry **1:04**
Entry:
**10:03**
